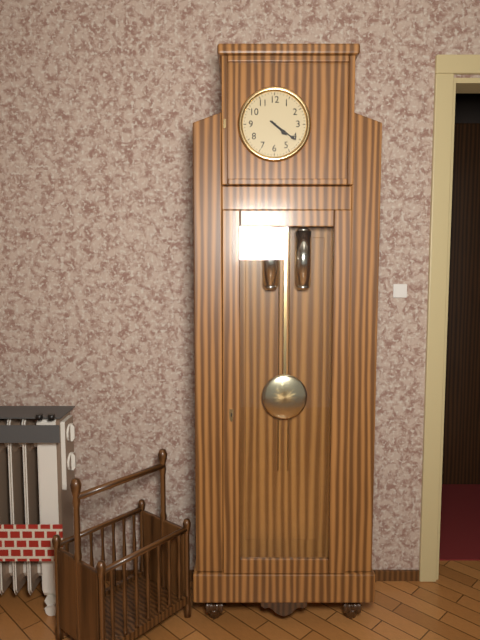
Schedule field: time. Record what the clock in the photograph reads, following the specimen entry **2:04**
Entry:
**4:21**
